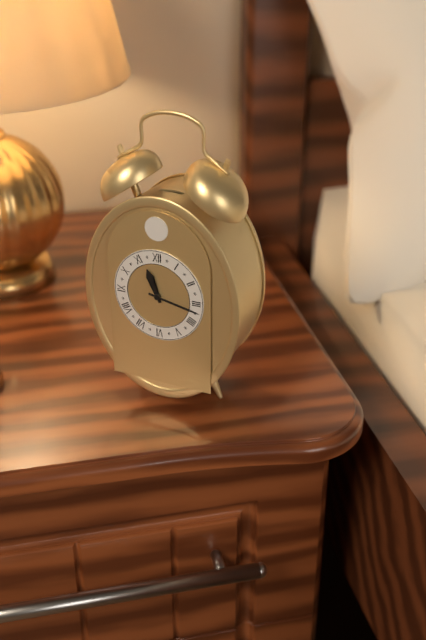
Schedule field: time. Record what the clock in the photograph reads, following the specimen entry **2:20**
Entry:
**11:17**
